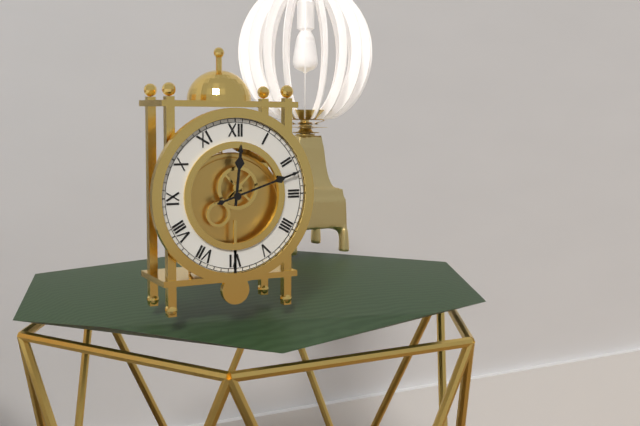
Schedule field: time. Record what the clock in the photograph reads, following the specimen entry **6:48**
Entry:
**12:12**
